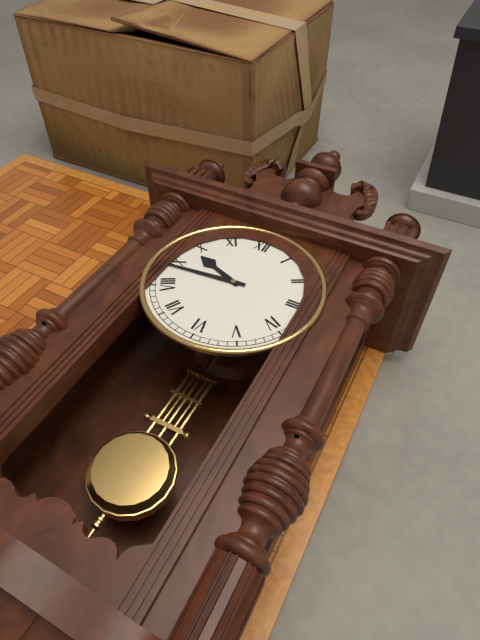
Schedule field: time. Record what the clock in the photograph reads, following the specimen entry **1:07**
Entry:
**9:44**
